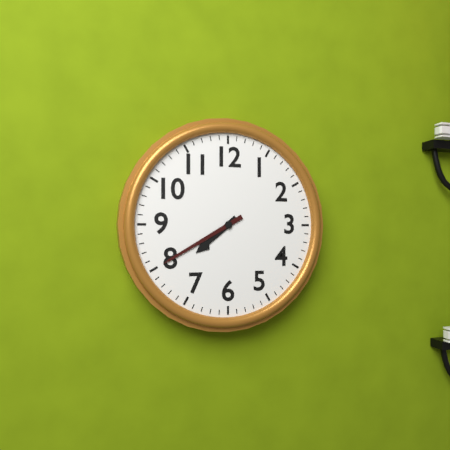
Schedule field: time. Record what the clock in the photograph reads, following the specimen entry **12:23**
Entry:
**7:40**
